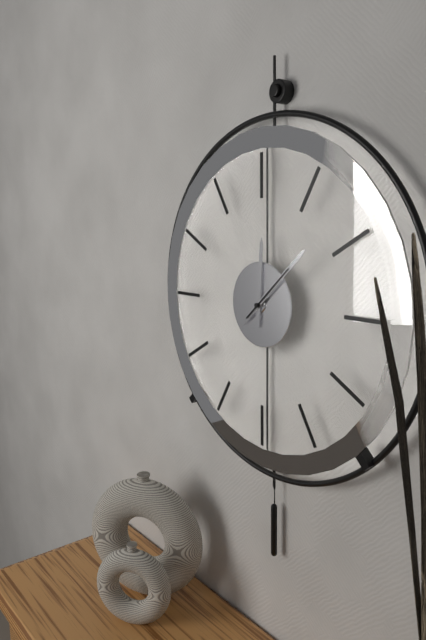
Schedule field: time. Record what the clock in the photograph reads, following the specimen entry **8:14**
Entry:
**12:08**
